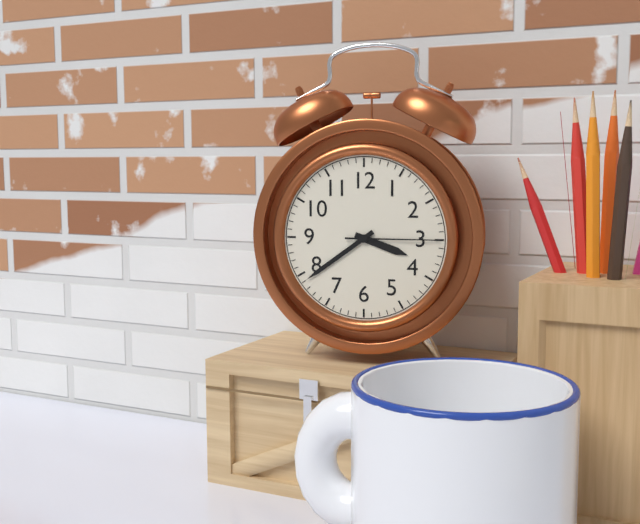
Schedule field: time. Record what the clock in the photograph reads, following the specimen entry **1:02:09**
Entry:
**3:39:15**
